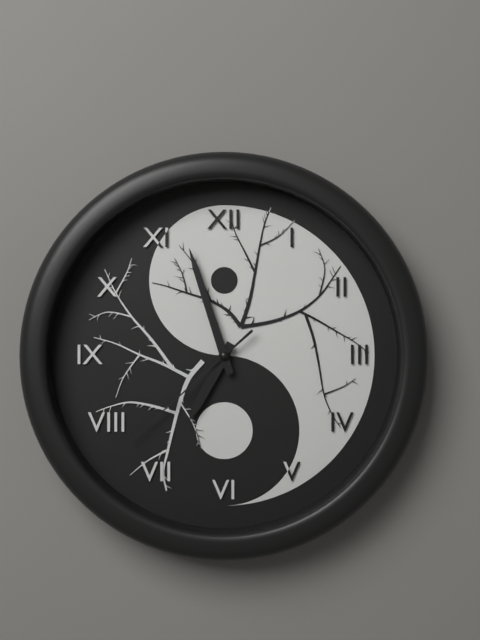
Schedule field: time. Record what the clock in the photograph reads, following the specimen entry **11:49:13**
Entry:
**6:57:38**
